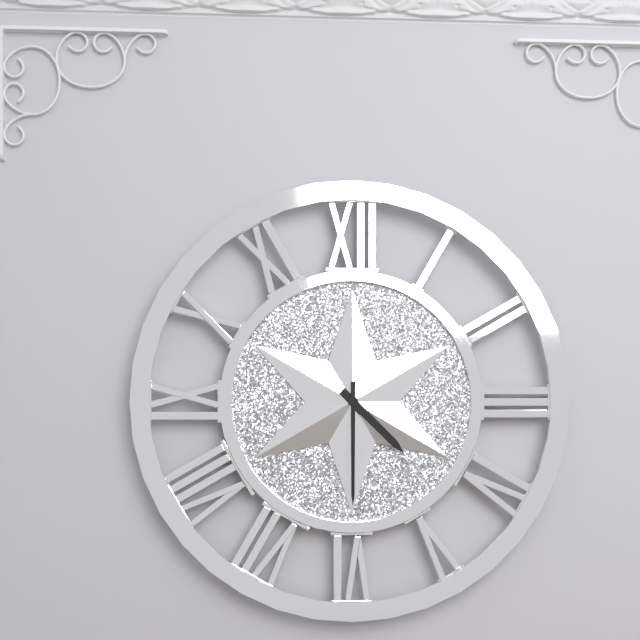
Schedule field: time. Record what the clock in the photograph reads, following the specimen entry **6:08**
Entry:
**4:30**
